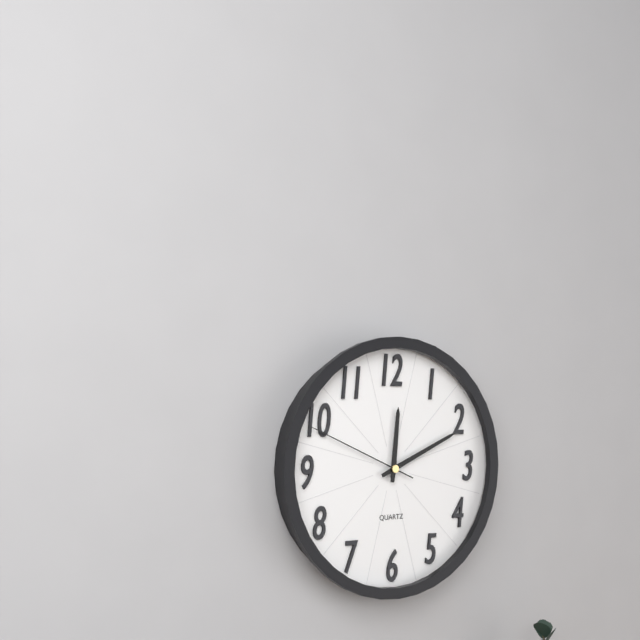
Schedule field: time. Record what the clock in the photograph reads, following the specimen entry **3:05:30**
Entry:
**12:11:49**
